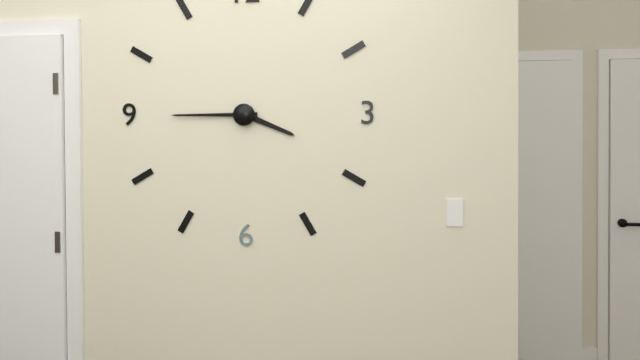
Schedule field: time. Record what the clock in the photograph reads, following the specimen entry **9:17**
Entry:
**3:45**
